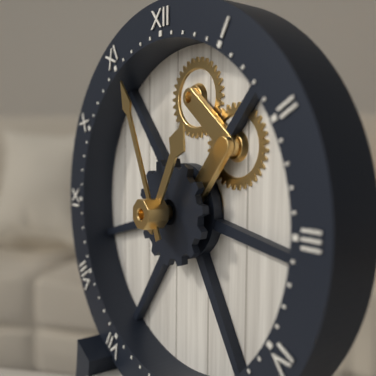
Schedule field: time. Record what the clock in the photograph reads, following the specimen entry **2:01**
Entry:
**12:56**
